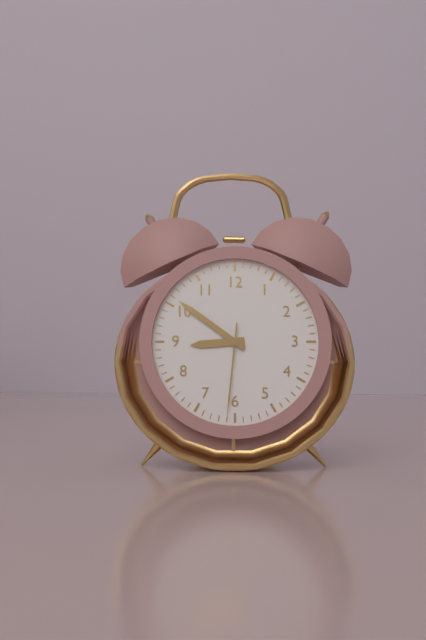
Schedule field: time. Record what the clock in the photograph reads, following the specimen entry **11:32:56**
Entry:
**8:51:31**
